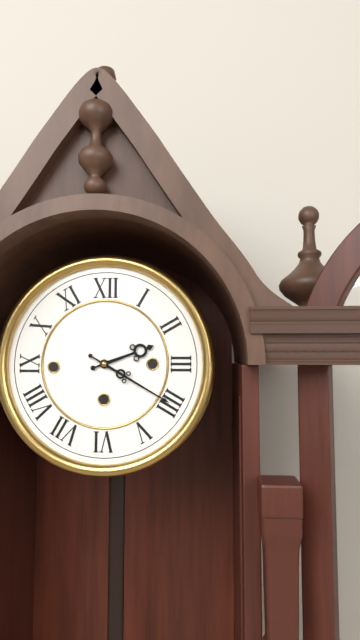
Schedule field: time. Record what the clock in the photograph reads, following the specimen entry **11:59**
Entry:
**2:20**
